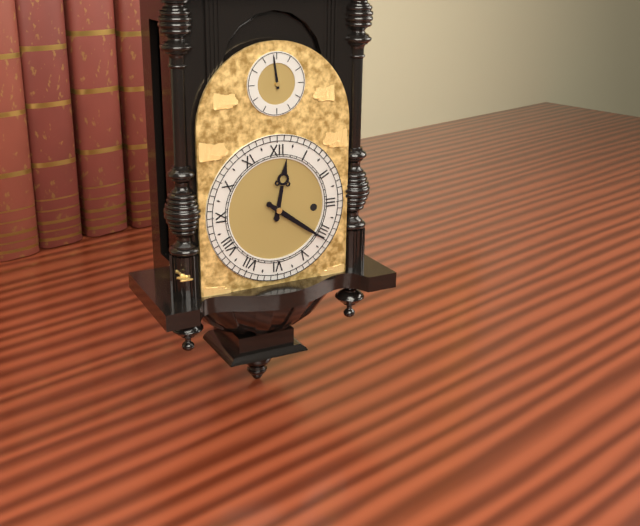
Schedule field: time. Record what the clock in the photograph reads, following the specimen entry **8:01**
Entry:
**12:21**
